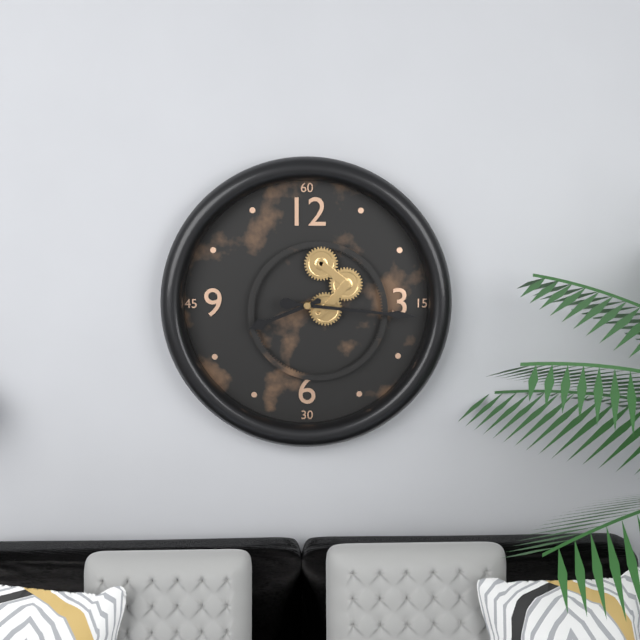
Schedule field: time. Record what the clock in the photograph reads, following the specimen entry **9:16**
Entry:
**8:16**
